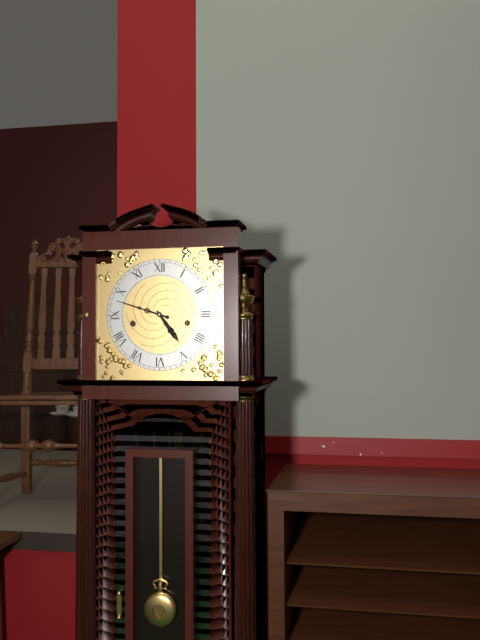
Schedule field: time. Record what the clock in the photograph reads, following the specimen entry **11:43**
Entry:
**4:48**
